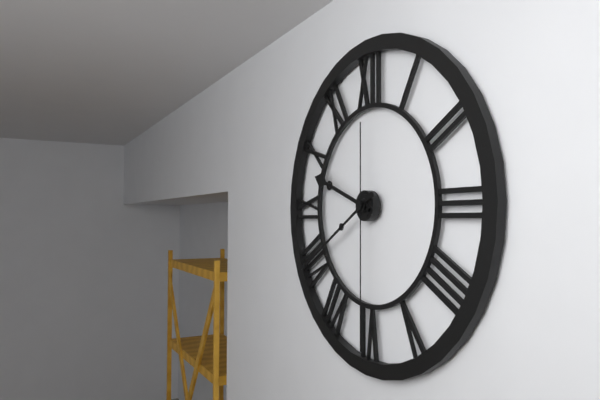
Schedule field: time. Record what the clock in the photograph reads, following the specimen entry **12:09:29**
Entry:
**9:40:30**
